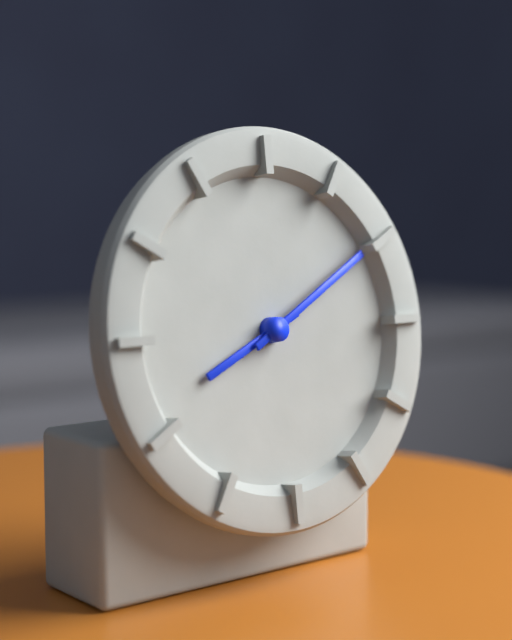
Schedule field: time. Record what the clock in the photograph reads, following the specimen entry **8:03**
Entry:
**8:10**
